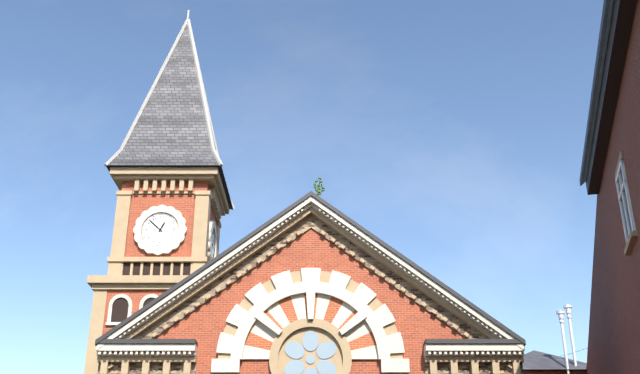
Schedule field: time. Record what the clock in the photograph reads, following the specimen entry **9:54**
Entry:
**12:52**
